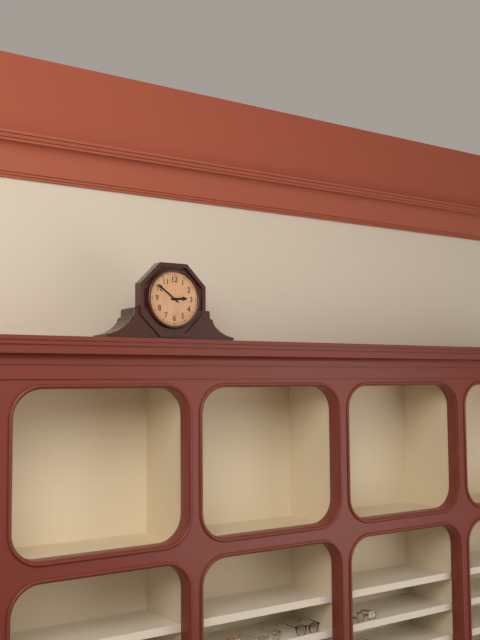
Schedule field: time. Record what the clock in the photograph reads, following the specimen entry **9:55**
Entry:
**2:51**
